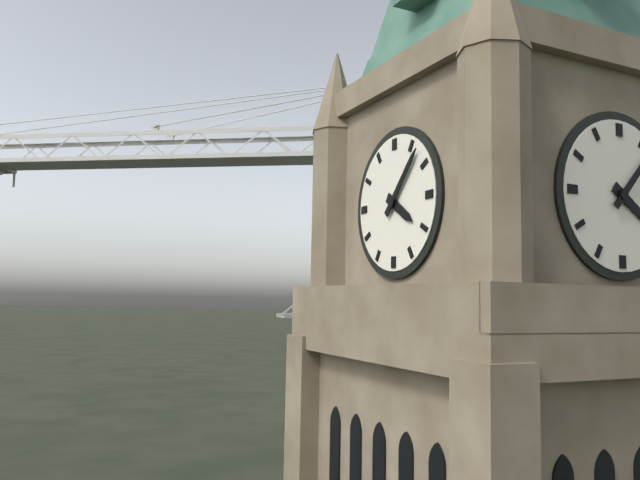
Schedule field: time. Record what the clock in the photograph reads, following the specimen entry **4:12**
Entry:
**4:07**
